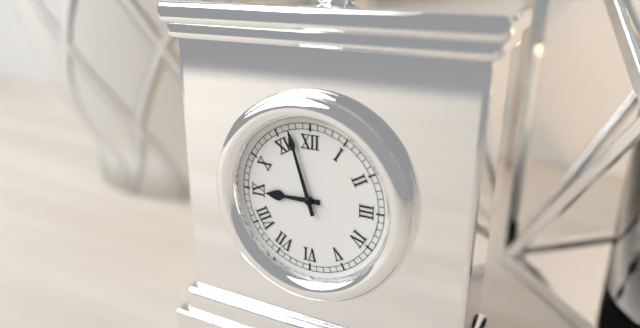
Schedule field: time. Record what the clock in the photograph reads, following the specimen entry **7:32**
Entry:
**8:57**
